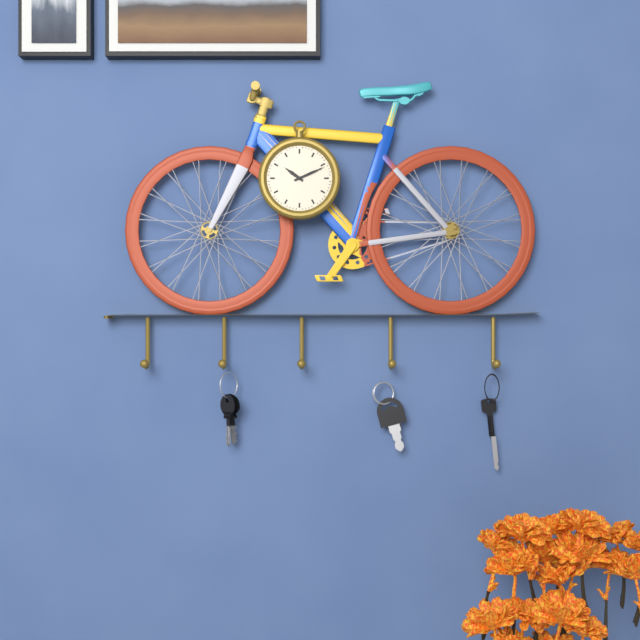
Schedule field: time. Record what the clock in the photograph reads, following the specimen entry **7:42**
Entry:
**10:11**
